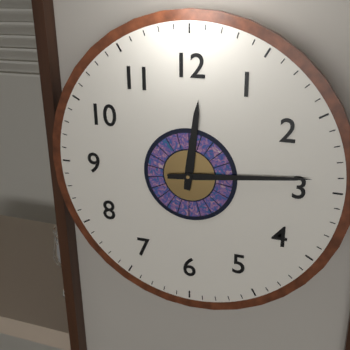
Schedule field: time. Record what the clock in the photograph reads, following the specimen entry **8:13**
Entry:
**12:14**
